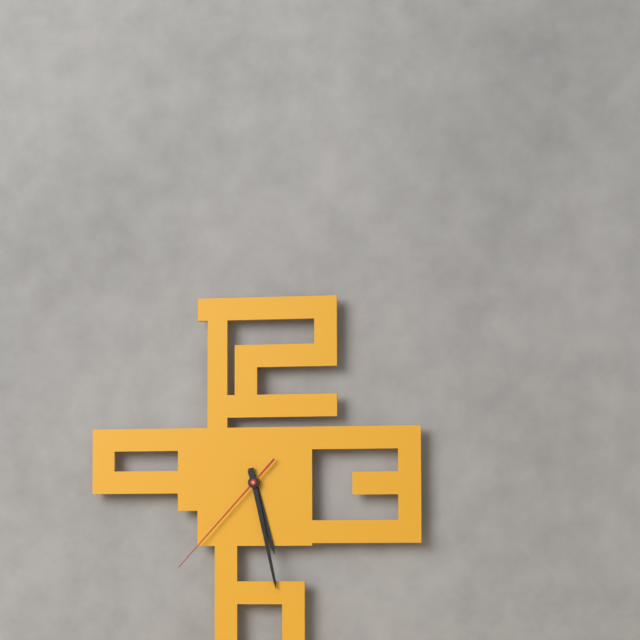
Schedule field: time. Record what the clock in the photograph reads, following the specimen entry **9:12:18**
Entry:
**5:28:37**
